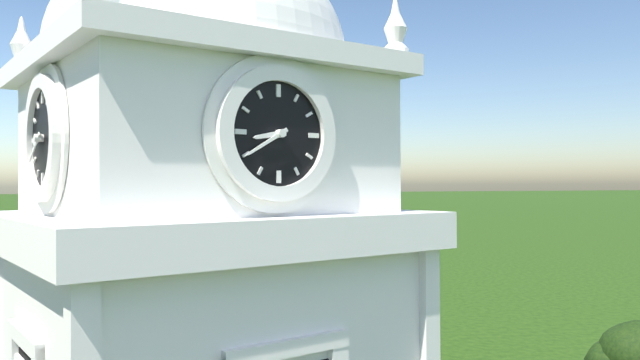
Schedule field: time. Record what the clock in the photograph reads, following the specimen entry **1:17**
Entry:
**8:40**
